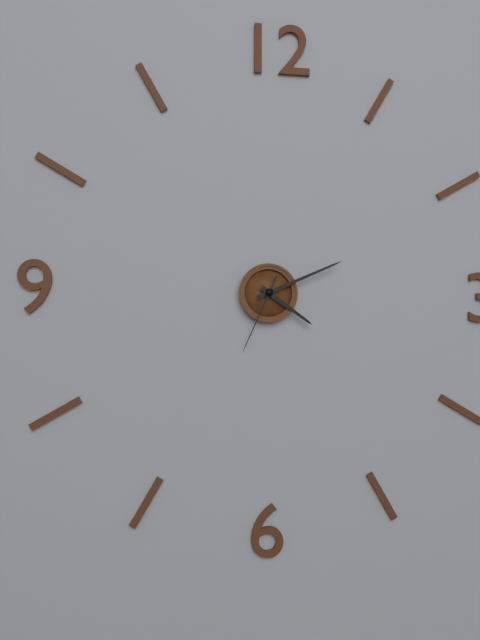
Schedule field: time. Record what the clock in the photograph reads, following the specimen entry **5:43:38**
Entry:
**4:11:34**
